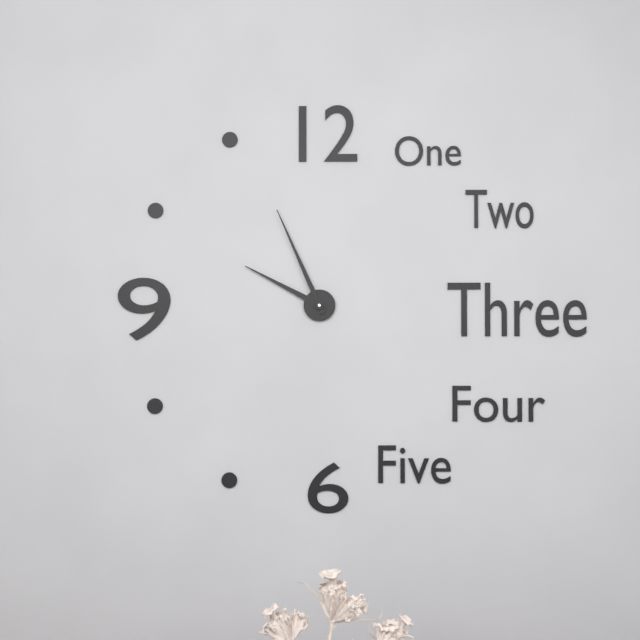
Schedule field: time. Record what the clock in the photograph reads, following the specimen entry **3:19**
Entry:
**9:56**
